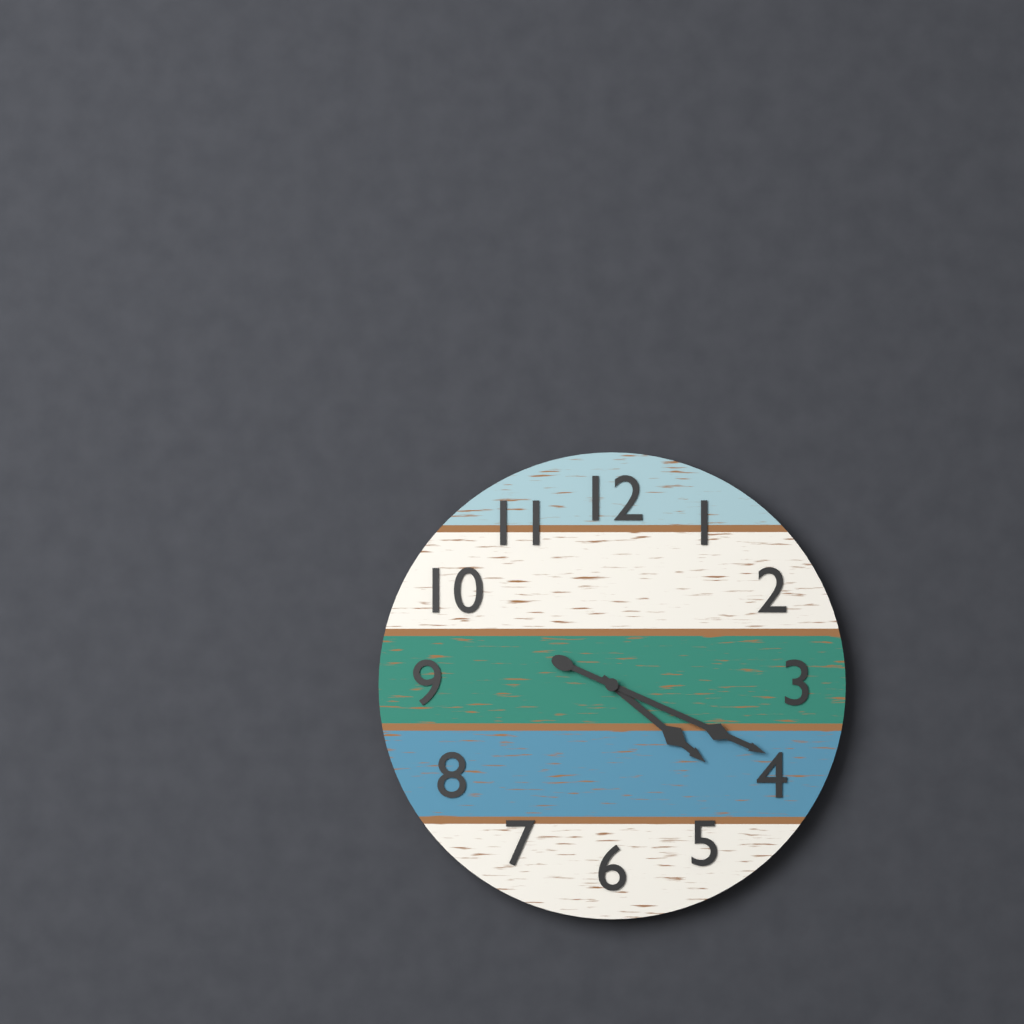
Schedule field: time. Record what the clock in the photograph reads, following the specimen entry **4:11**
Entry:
**4:19**
